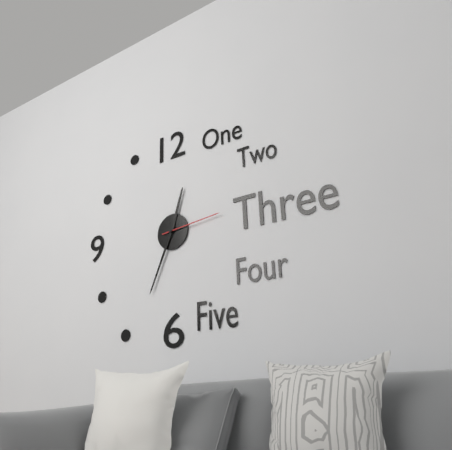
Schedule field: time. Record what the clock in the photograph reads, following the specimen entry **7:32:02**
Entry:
**12:34:14**
